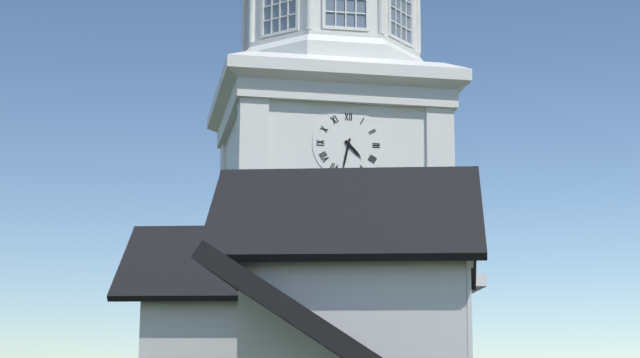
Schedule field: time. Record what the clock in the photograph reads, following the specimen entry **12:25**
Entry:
**4:32**
